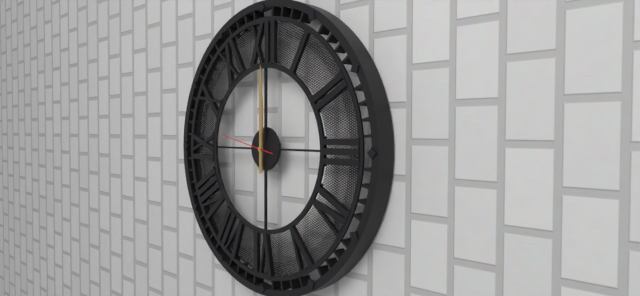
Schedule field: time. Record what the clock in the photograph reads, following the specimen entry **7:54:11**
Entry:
**12:00:47**
